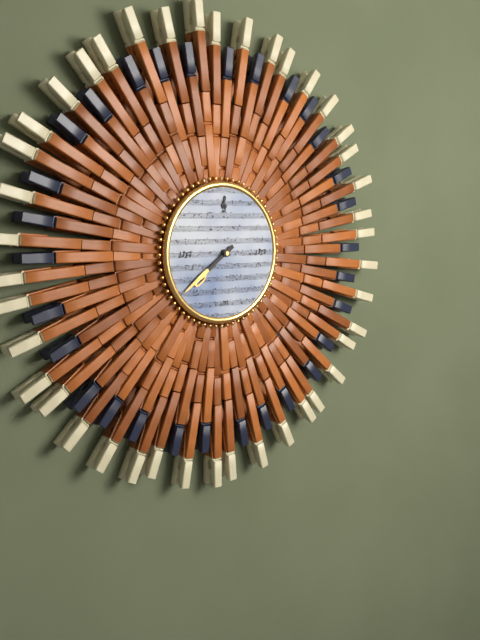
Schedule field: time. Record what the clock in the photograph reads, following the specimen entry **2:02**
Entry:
**7:39**
